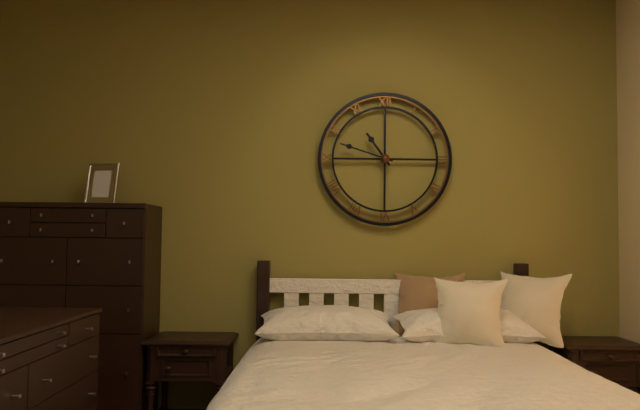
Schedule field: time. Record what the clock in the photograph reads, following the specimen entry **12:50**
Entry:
**10:48**
